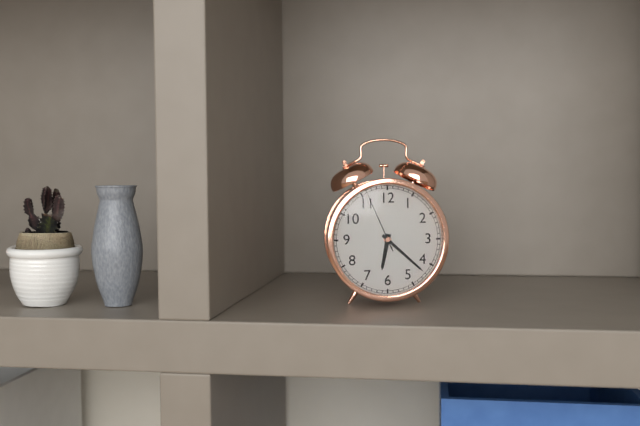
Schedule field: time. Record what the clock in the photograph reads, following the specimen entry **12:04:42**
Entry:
**6:22:56**
